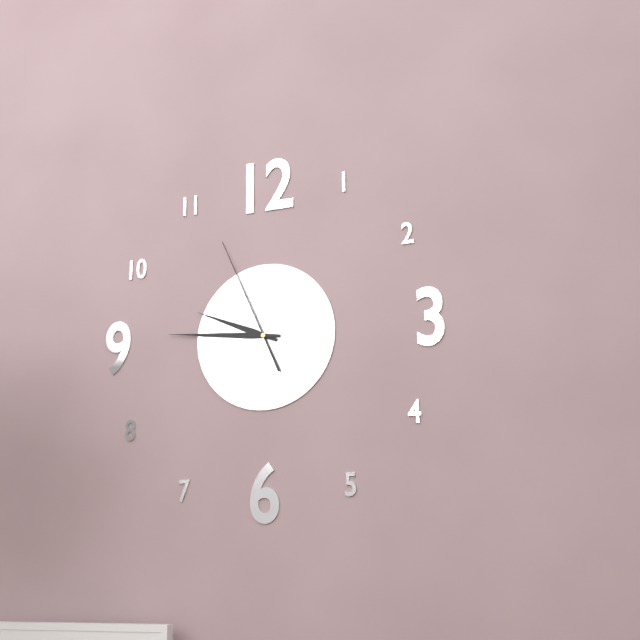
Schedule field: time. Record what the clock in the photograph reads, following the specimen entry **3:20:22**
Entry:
**9:46:56**
